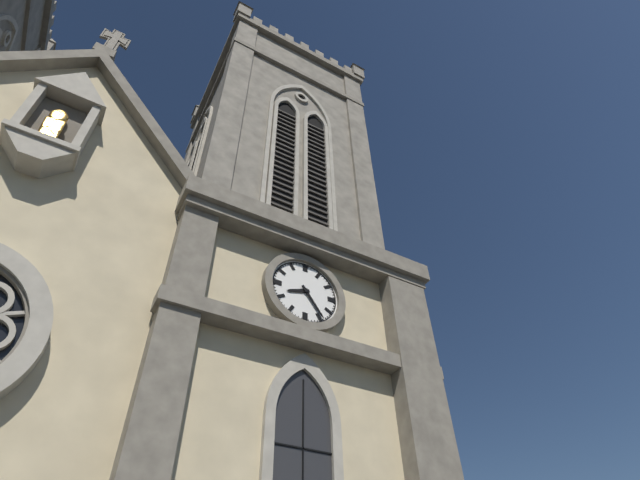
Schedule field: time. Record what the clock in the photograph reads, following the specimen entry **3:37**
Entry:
**8:24**
